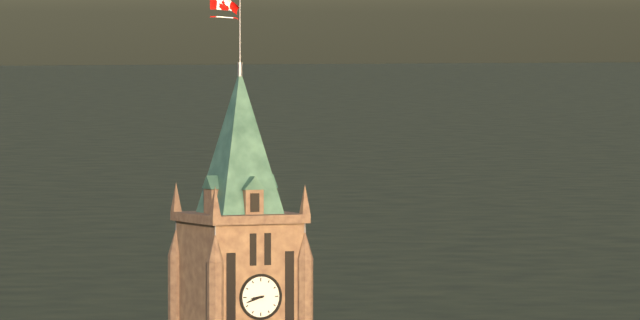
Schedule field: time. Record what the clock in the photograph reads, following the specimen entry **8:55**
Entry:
**8:42**
